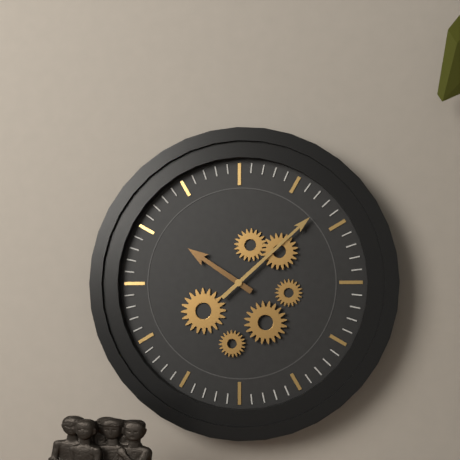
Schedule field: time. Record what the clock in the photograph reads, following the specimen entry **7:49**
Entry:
**10:08**
